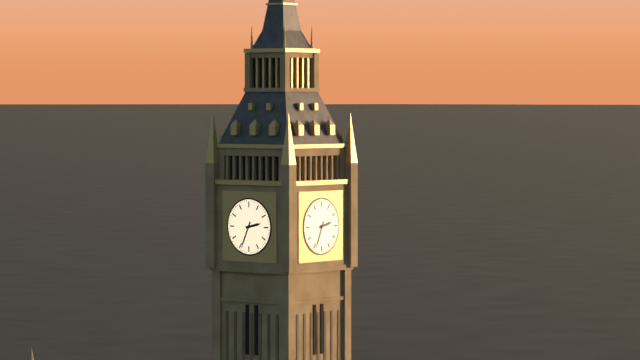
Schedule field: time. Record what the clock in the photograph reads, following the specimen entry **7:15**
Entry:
**2:34**
